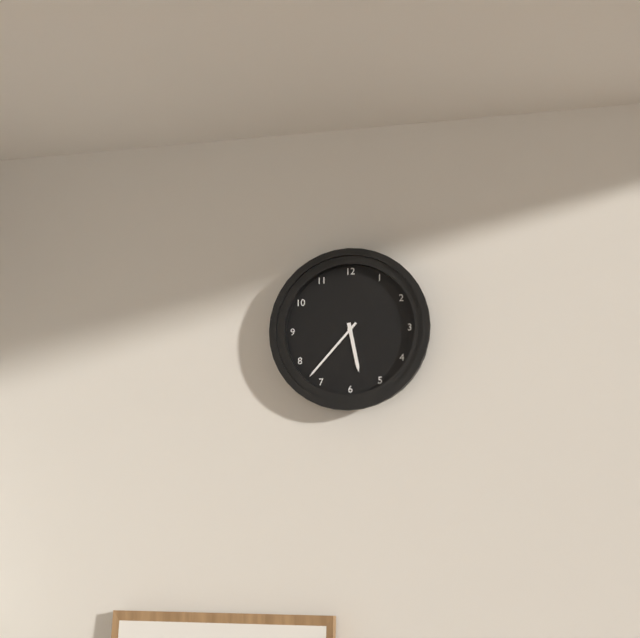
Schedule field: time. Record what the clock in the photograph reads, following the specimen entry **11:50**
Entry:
**5:37**
